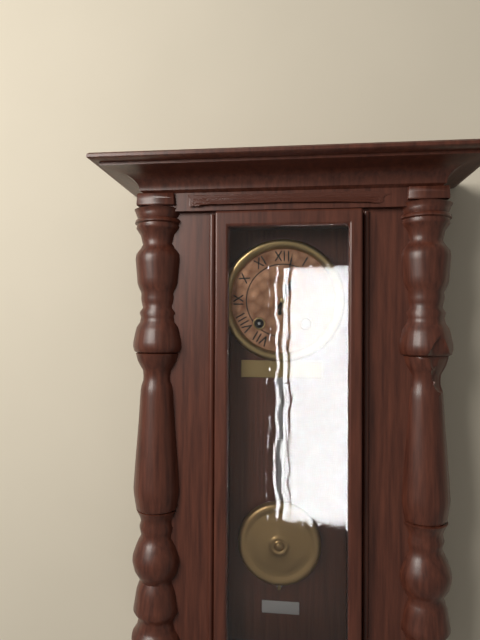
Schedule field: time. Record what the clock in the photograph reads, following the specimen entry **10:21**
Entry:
**1:02**
